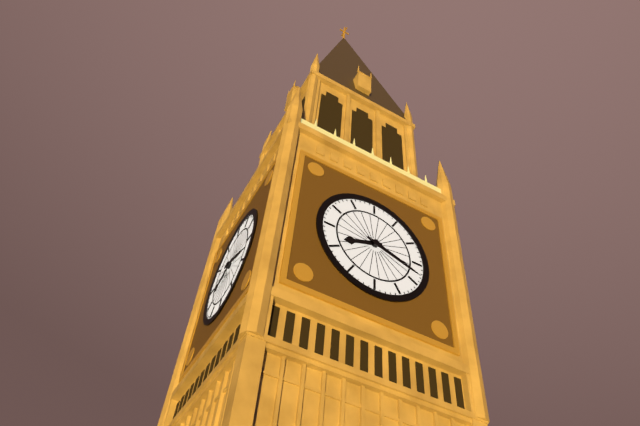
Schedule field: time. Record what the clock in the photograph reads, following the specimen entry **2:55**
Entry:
**8:18**
